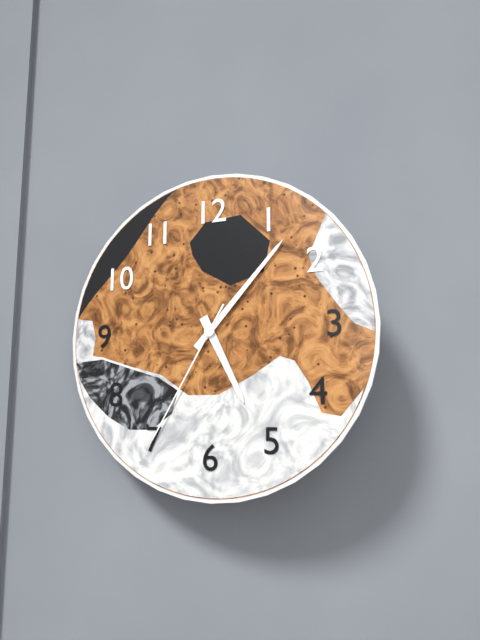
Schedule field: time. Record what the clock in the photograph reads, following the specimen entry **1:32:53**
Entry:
**5:07:35**
